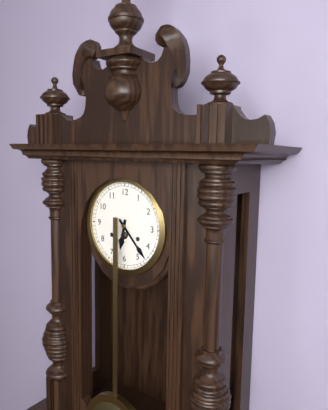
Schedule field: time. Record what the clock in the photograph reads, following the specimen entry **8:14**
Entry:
**6:23**
